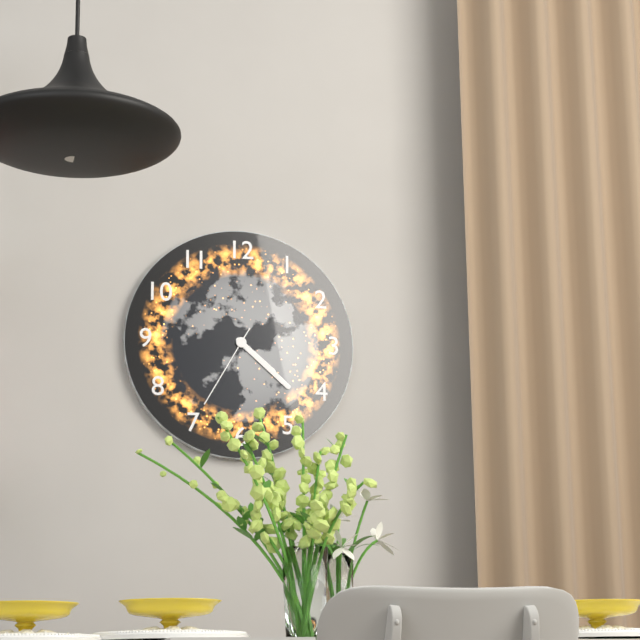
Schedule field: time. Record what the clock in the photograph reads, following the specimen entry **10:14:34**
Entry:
**4:22:35**
